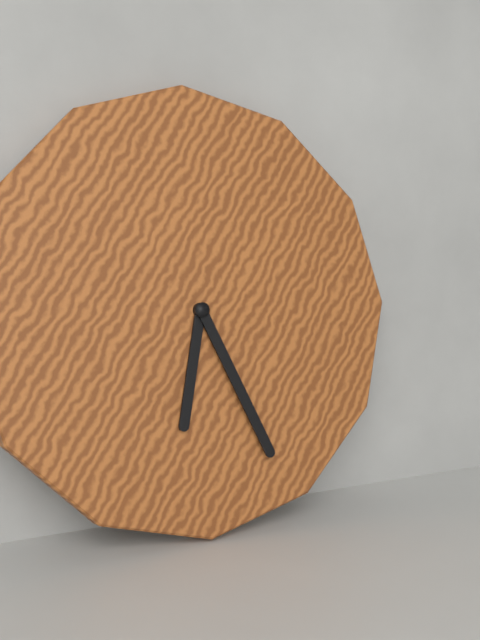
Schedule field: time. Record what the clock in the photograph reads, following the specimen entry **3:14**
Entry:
**6:26**
